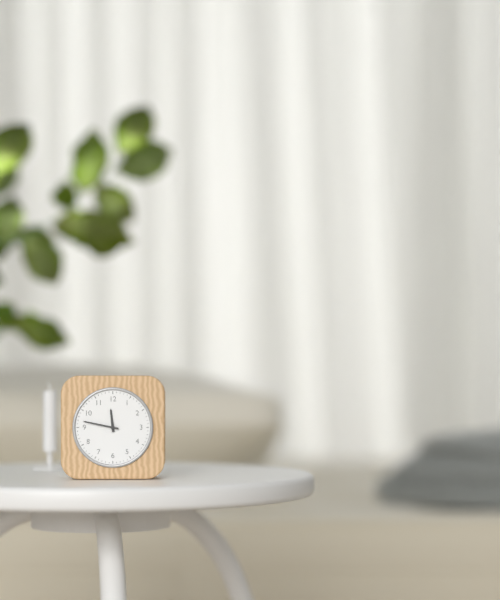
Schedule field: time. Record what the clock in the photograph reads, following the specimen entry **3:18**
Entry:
**11:47**
